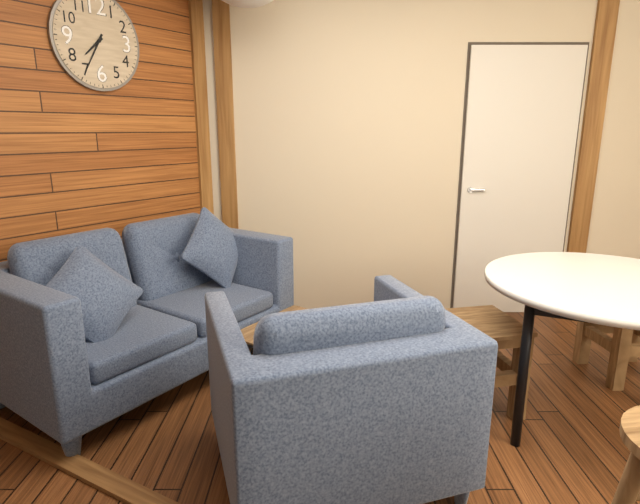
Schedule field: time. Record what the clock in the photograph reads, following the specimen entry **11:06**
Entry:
**7:35**
